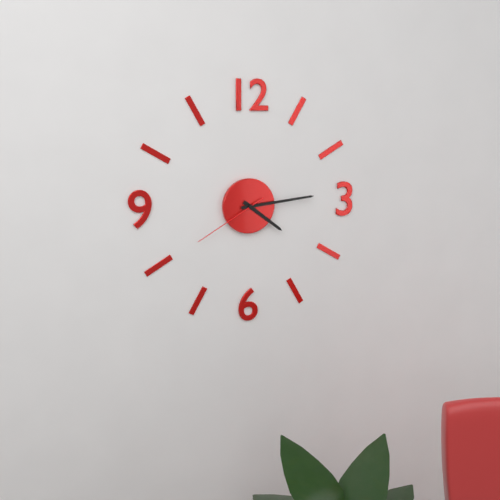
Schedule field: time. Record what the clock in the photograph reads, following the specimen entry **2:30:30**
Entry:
**4:14:40**
